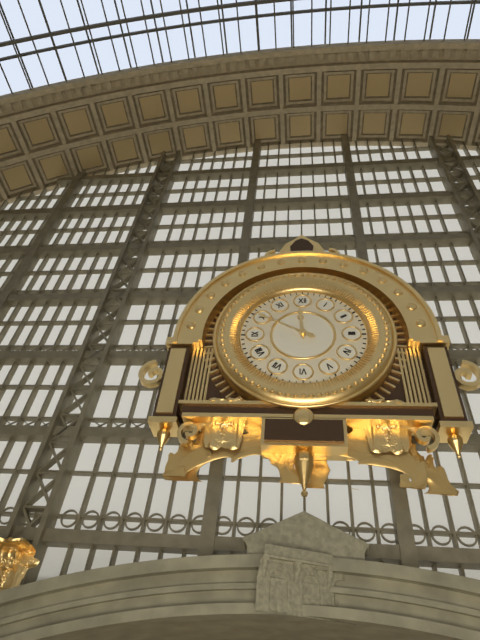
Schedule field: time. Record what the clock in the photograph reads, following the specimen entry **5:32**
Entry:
**11:50**
